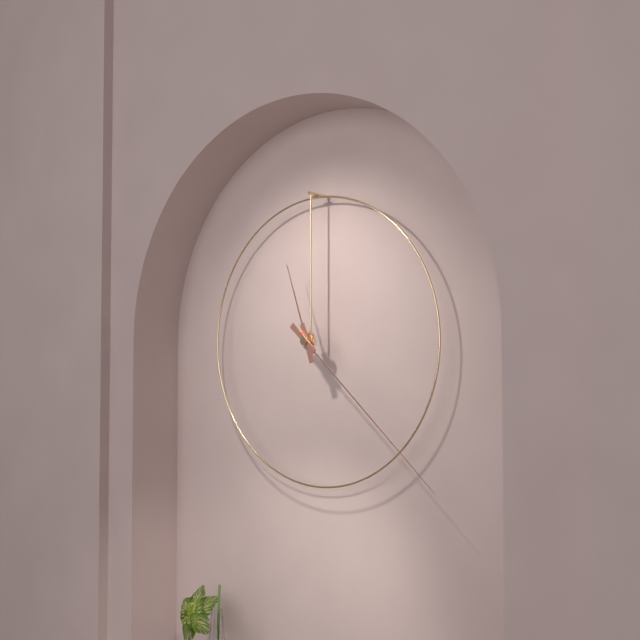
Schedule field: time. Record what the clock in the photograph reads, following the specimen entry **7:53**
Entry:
**11:22**
